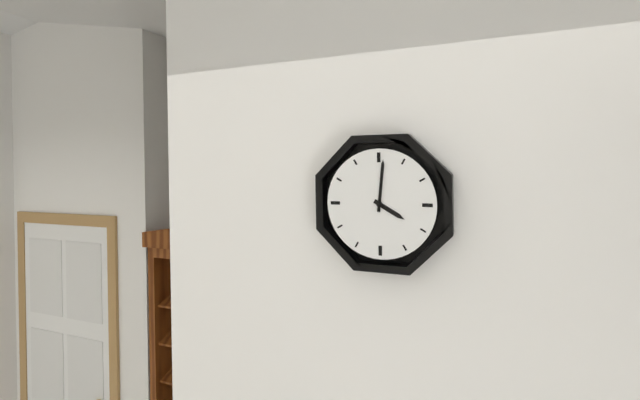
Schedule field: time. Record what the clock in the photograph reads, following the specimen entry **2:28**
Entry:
**4:01**
